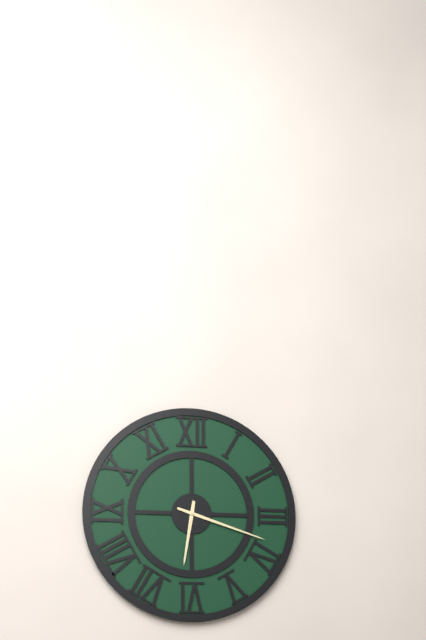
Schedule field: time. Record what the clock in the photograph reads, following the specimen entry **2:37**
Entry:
**6:18**
